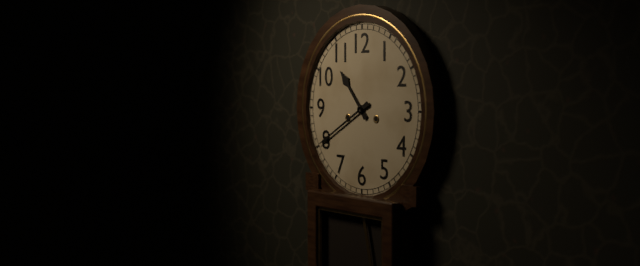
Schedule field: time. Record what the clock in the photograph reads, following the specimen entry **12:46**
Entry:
**10:40**
